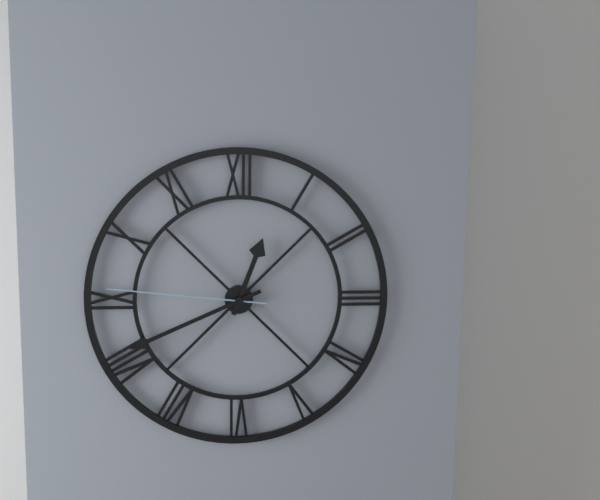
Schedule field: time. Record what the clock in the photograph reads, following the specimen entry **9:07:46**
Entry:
**12:41:46**
